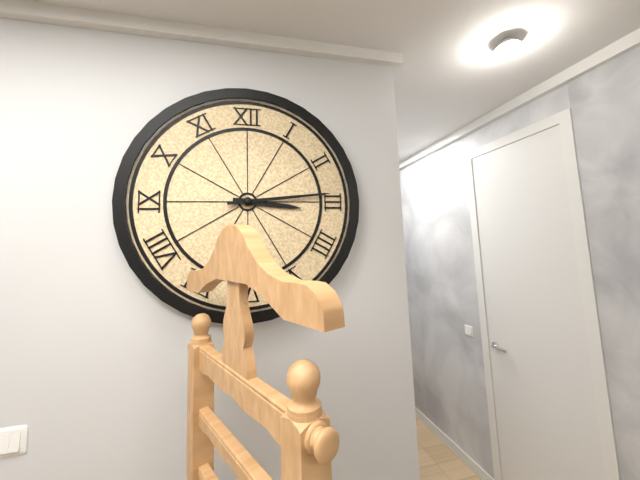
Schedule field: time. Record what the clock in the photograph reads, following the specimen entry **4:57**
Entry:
**3:14**
